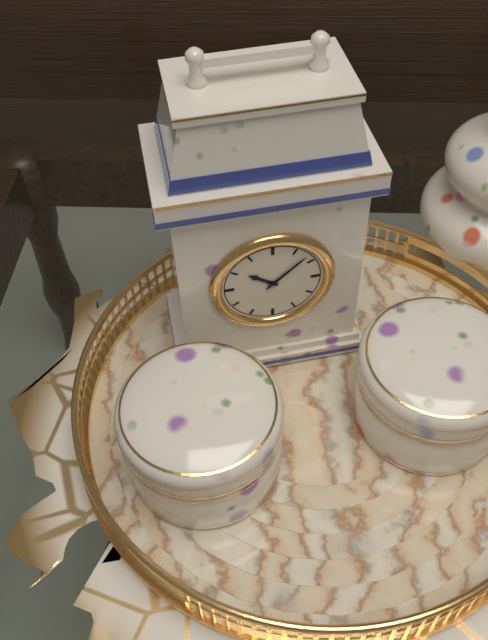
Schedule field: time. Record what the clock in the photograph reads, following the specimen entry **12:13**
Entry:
**10:08**
